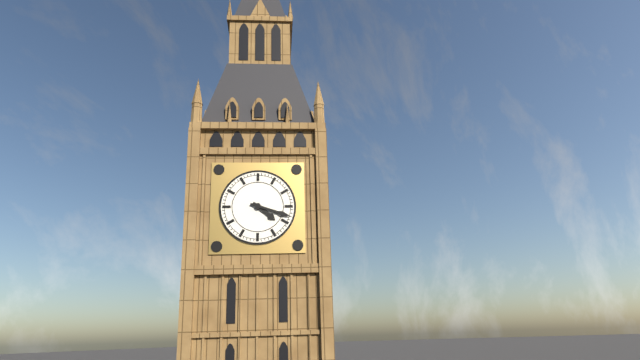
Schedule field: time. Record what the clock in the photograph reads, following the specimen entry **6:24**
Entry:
**4:18**
